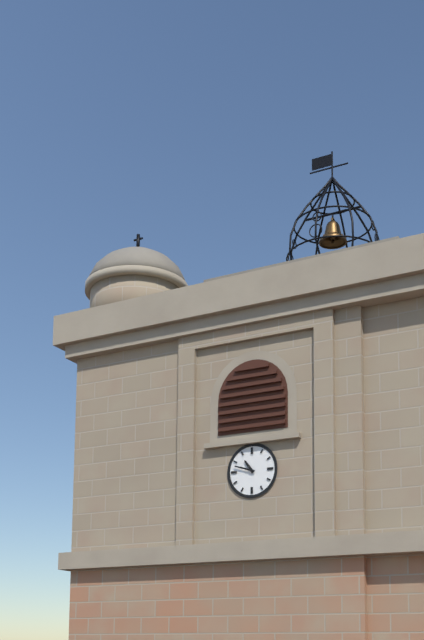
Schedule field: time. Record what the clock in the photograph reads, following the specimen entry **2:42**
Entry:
**10:48**
